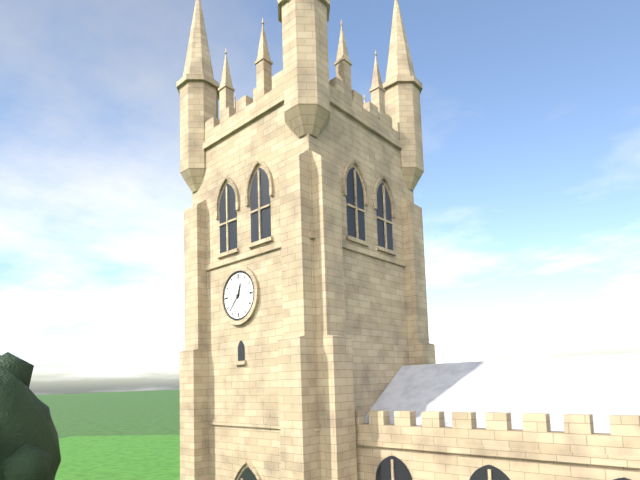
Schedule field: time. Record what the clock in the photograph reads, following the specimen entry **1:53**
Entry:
**12:37**
